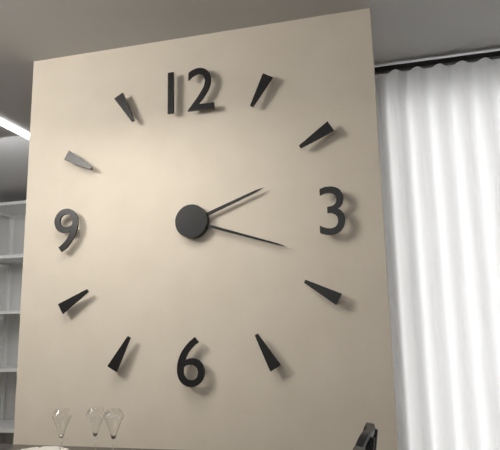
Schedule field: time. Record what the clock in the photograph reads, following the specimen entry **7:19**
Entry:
**2:18**
